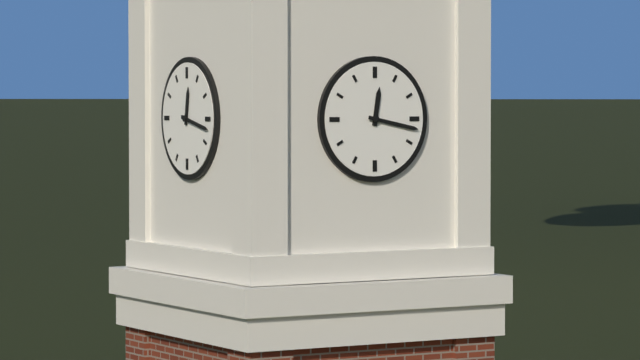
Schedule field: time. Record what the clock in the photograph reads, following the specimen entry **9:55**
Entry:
**12:17**
